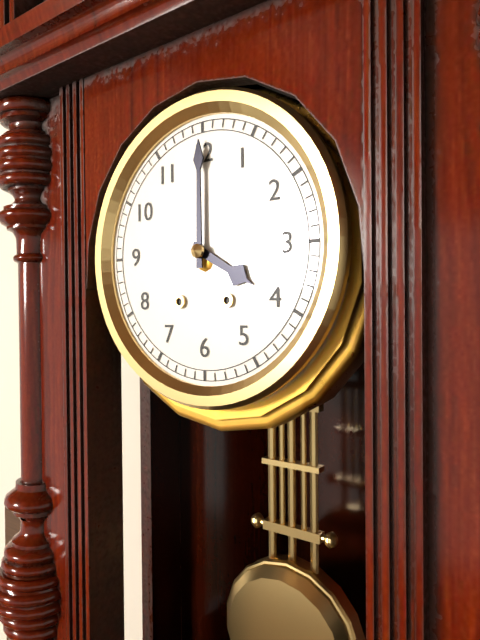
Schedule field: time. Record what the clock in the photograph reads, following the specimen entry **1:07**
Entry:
**4:00**
